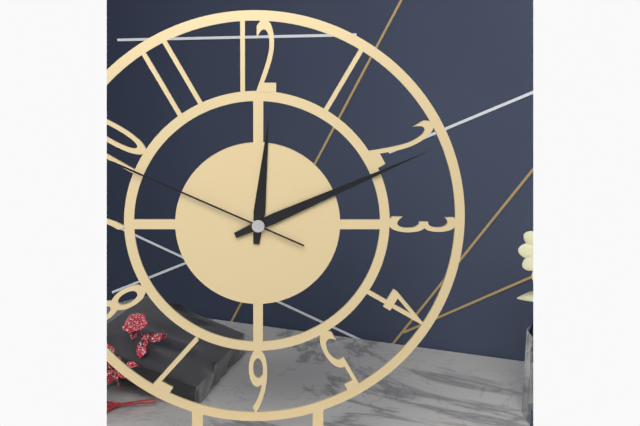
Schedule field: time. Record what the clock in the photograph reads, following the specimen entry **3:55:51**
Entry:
**12:11:49**
